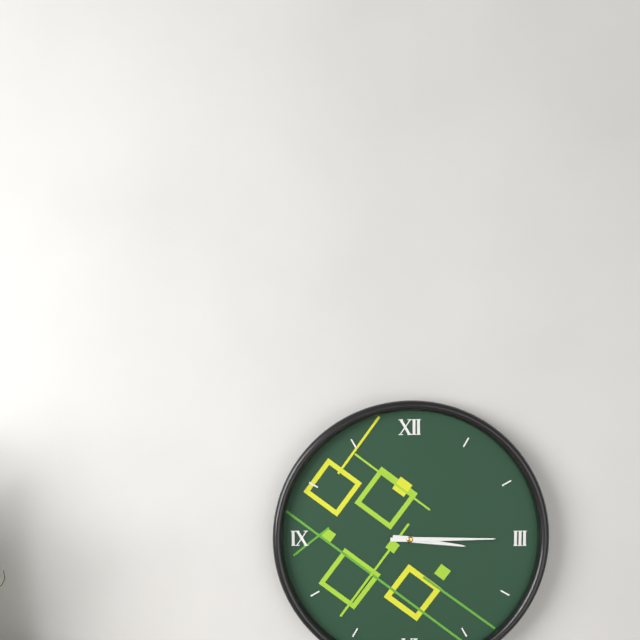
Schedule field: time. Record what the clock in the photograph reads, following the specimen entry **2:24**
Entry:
**3:15**
